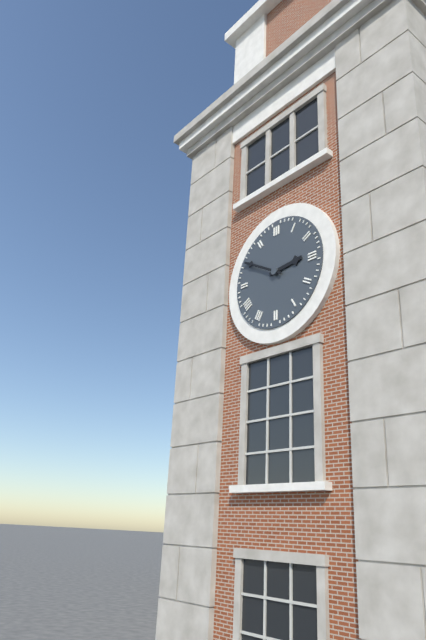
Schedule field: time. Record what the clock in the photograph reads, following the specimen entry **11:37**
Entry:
**2:50**
